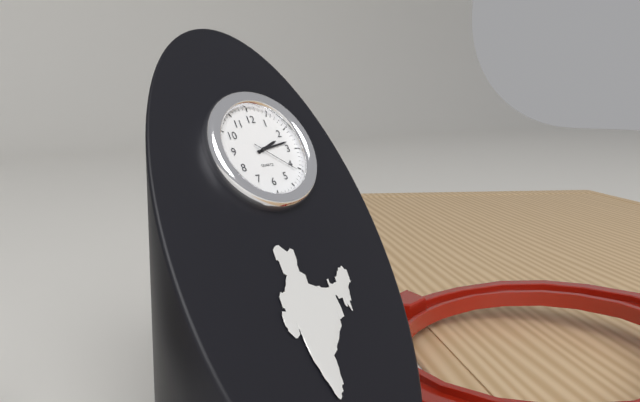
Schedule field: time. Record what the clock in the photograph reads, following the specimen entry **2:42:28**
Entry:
**2:13:21**
